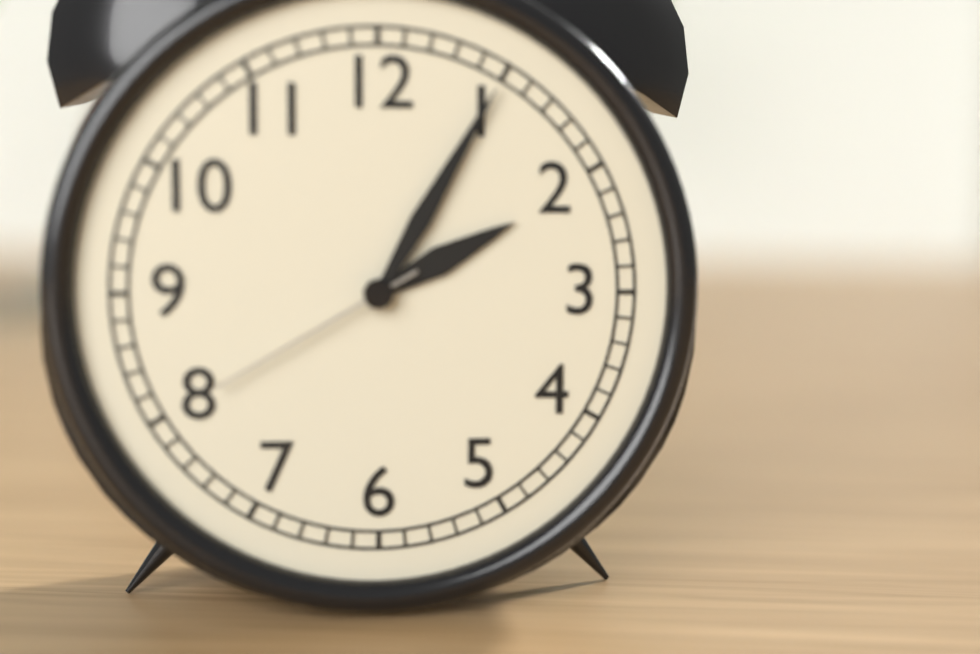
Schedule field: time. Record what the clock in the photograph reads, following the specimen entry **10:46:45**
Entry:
**2:05:40**
